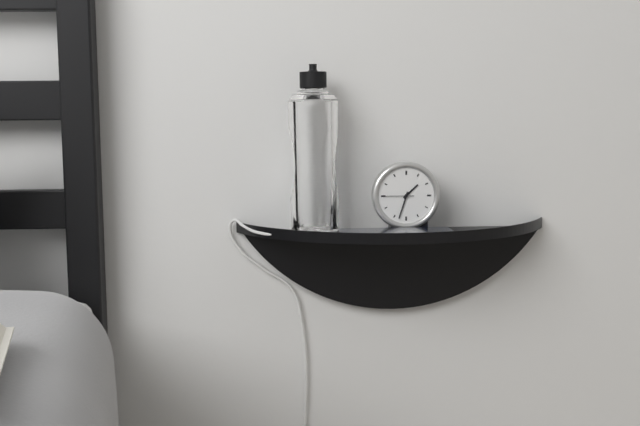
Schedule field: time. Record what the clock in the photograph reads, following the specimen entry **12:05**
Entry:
**1:33**
